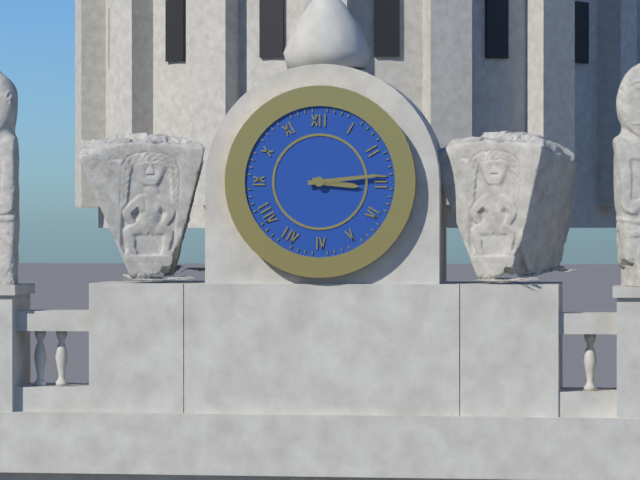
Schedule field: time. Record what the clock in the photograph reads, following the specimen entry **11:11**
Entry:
**3:14**
